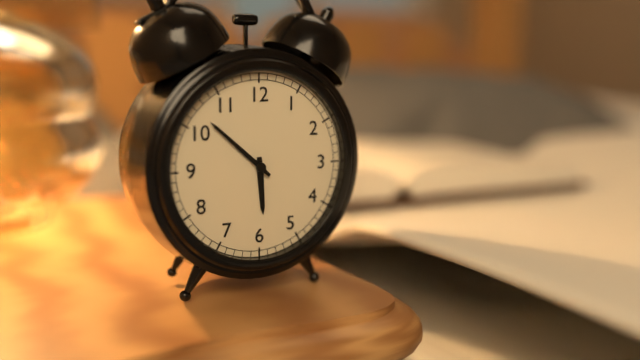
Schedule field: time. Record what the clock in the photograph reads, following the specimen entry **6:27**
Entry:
**5:52**
